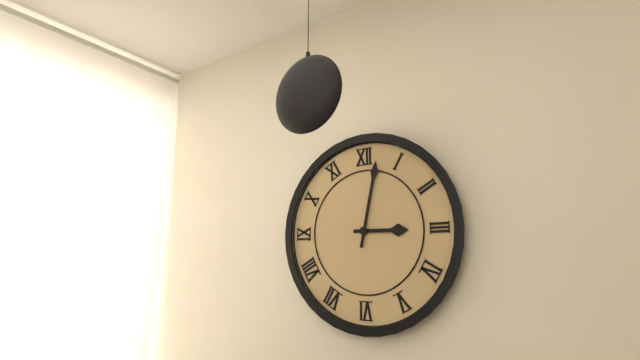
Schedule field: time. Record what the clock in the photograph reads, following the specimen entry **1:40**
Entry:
**3:02**
